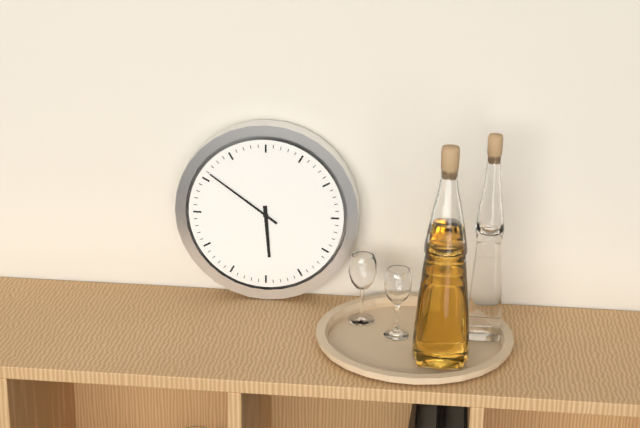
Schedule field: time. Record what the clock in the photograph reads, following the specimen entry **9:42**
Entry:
**5:51**
